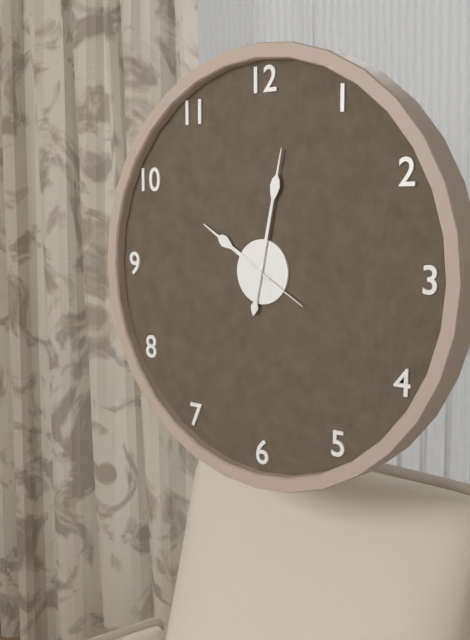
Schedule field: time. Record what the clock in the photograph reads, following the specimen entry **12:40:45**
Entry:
**10:02:20**
